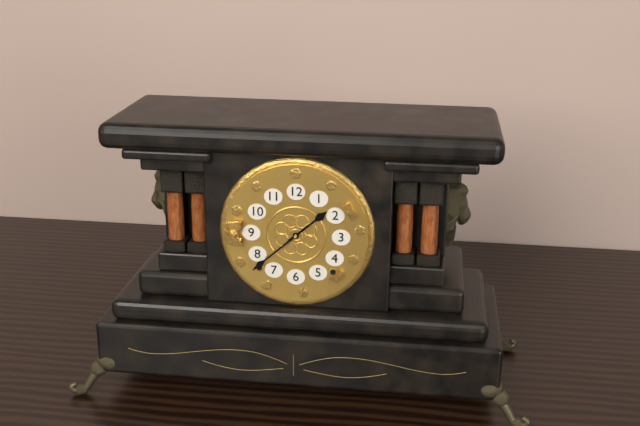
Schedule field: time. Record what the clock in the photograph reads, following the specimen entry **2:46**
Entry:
**1:38**
